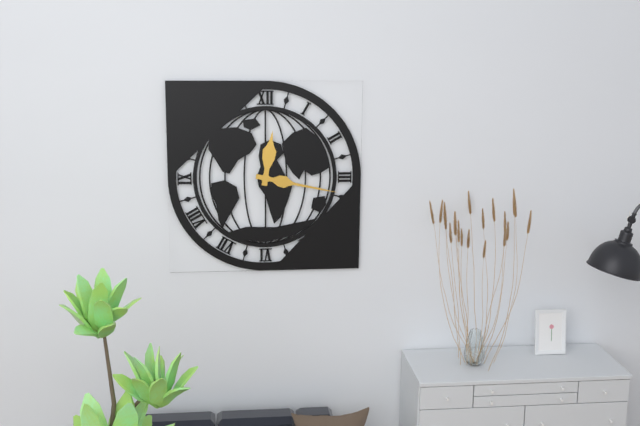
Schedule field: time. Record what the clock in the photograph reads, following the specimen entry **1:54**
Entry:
**12:17**
